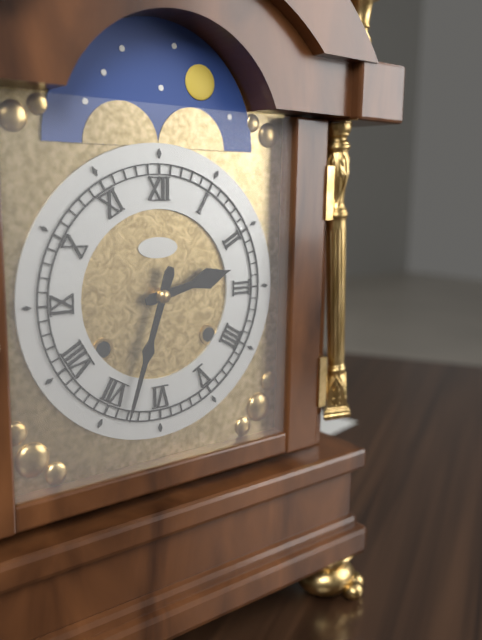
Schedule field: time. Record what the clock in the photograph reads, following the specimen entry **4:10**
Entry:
**2:33**
